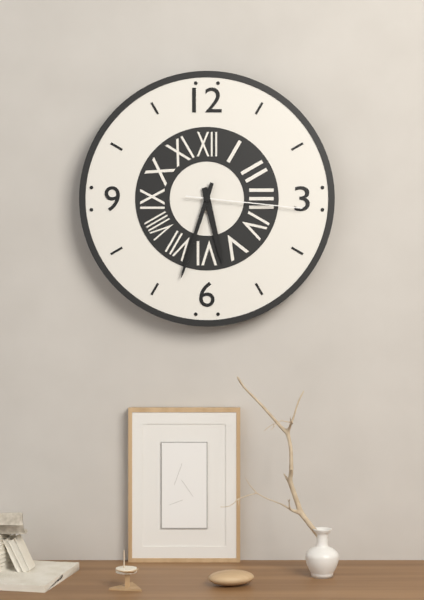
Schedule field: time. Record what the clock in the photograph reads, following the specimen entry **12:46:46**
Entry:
**5:33:16**
